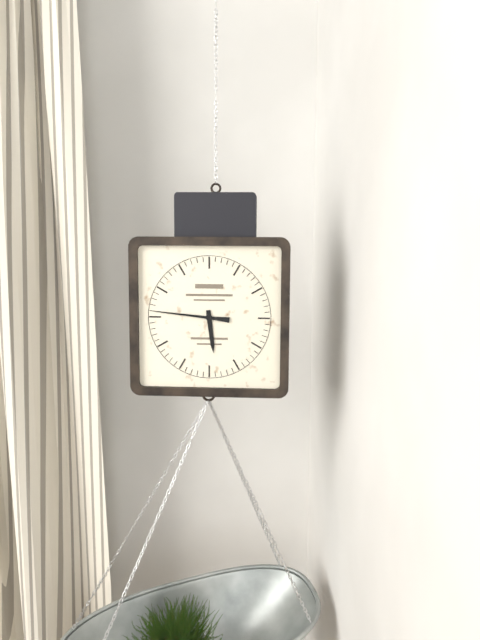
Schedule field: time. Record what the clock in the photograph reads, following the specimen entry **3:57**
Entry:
**5:46**
